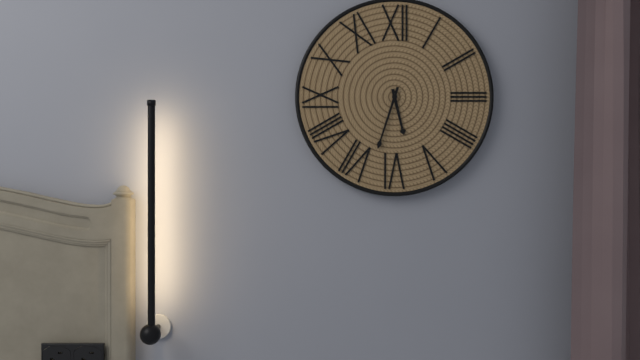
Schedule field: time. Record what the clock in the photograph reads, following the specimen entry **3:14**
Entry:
**5:33**
